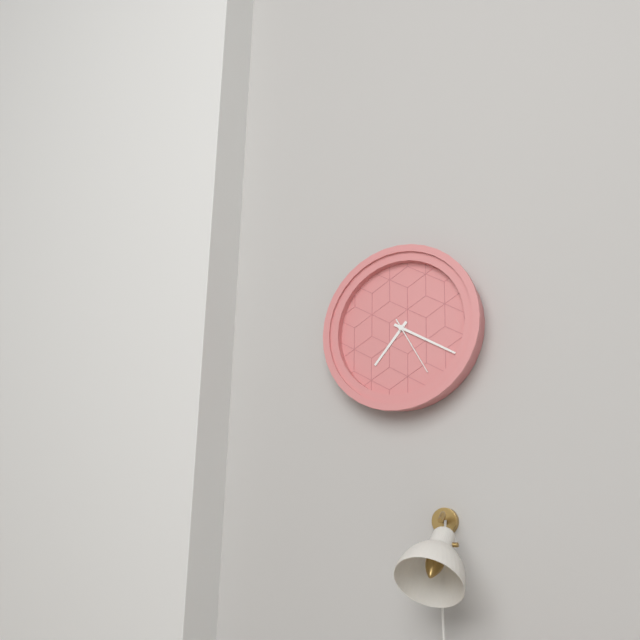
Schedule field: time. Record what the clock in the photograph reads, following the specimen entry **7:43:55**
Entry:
**7:20:25**
